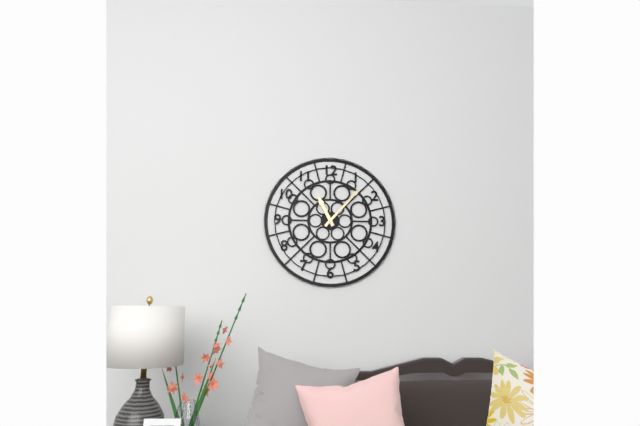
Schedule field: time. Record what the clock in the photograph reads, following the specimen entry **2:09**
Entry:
**11:07**
